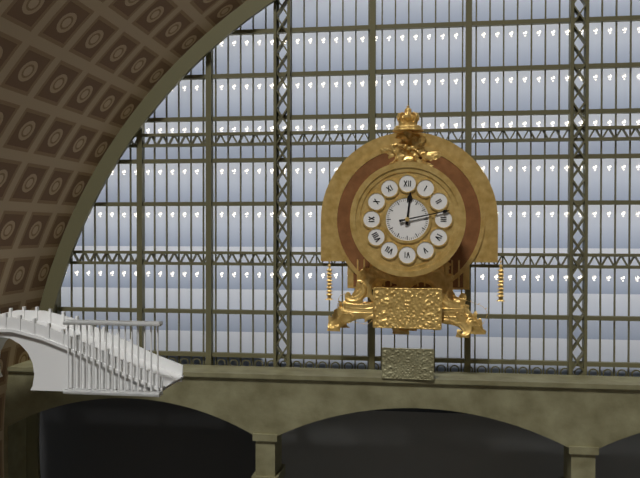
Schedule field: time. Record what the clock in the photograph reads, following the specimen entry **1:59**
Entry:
**12:13**
